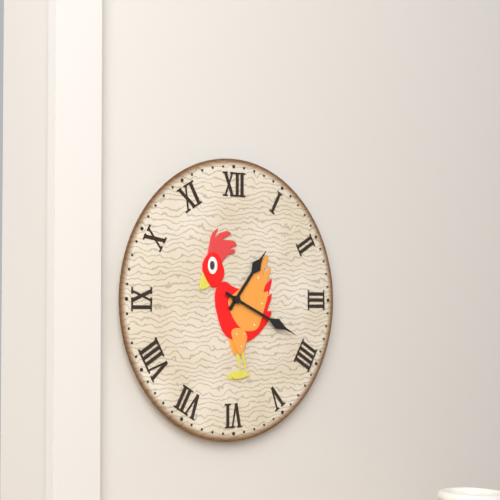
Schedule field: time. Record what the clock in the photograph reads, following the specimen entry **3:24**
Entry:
**1:19**
